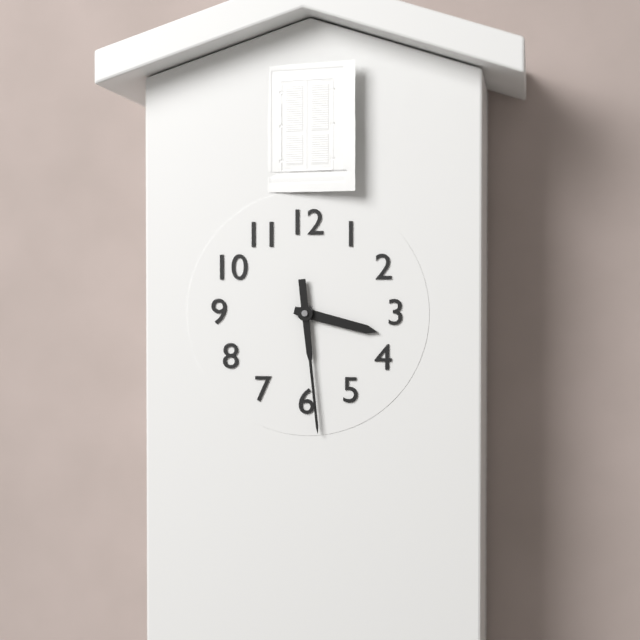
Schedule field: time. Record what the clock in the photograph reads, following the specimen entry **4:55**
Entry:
**3:29**
